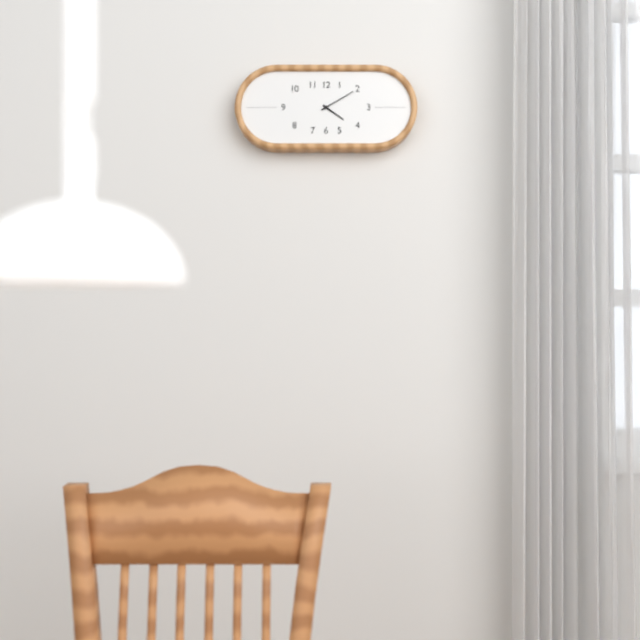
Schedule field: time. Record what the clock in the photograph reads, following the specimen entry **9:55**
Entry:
**4:10**
